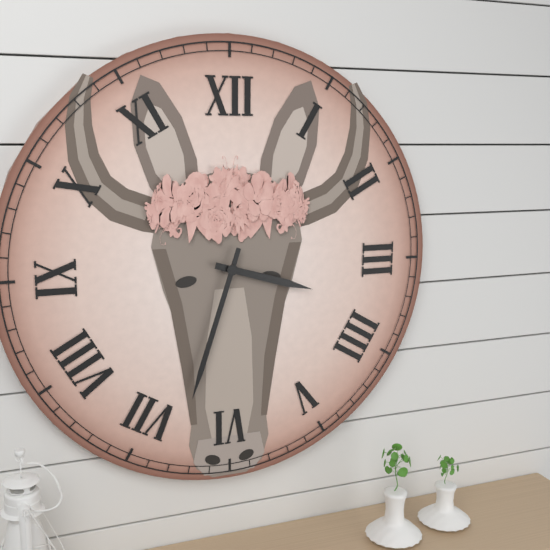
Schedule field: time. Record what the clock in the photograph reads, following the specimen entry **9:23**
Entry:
**3:33**
